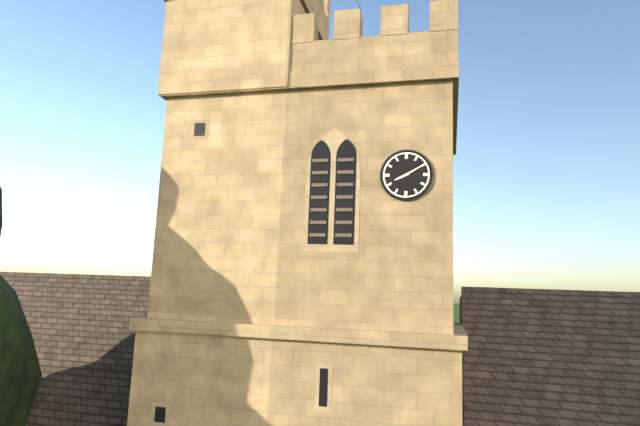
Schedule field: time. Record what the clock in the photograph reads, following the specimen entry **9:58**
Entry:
**8:10**
